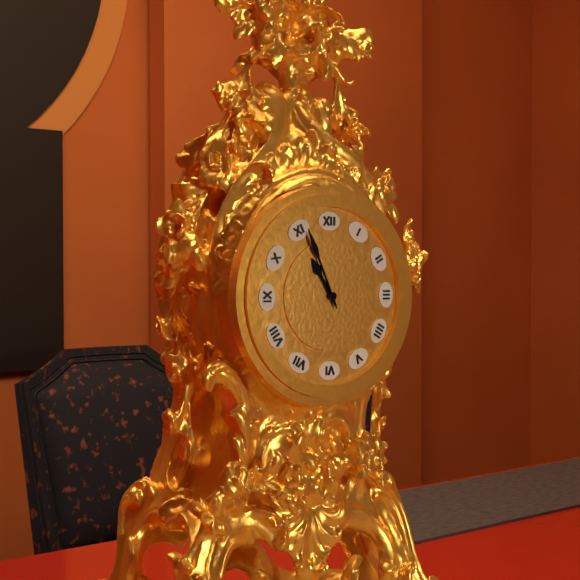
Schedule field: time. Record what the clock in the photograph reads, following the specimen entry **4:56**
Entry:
**10:56**
